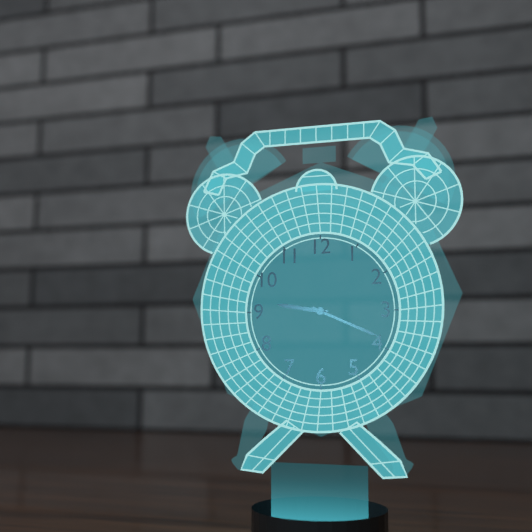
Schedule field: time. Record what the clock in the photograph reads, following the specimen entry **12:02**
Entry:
**9:19**
